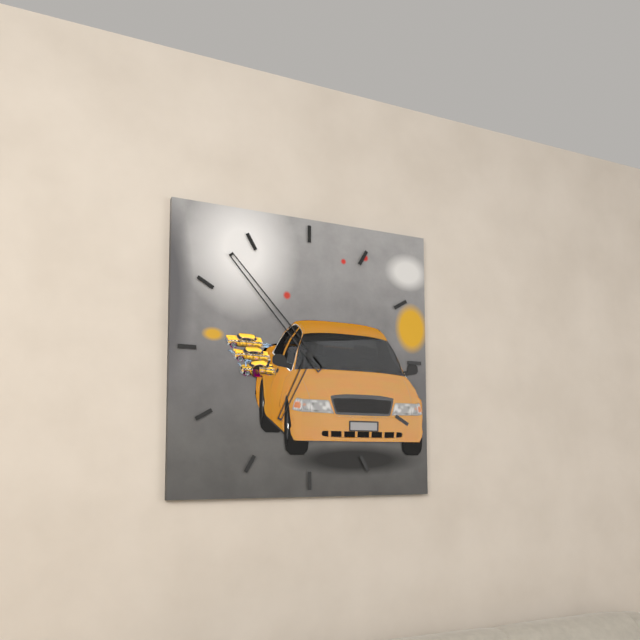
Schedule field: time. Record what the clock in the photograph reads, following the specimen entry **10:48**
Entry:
**6:53**
